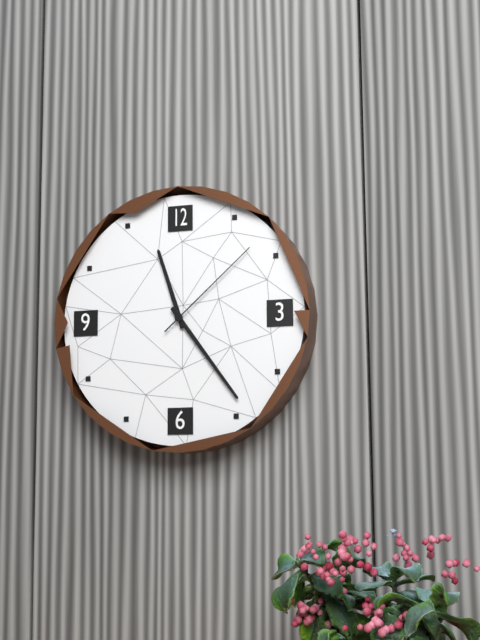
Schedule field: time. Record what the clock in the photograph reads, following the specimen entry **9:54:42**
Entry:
**11:24:08**
